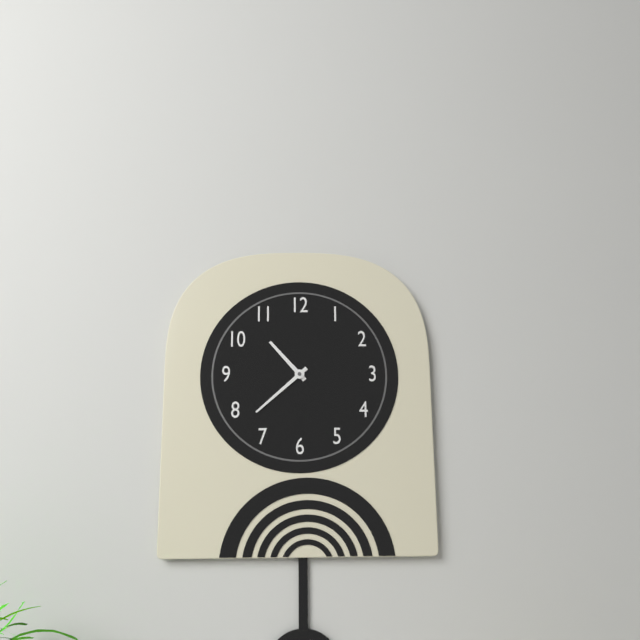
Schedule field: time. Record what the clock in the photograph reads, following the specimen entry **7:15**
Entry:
**10:38**
